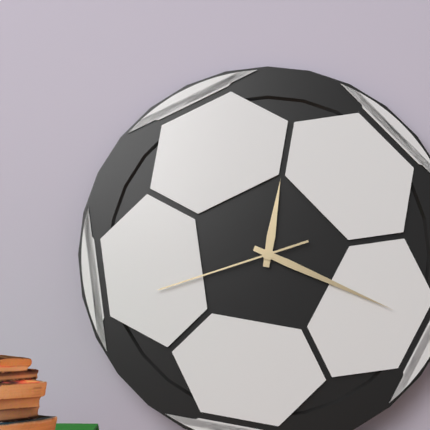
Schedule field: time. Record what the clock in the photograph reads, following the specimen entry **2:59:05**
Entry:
**12:19:42**
